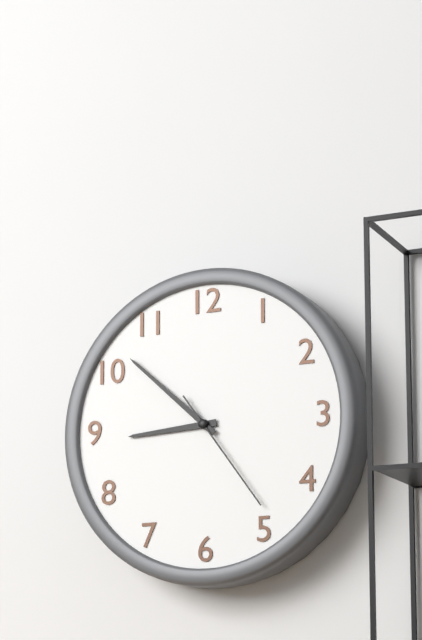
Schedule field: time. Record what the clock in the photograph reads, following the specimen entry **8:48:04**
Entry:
**8:52:24**
